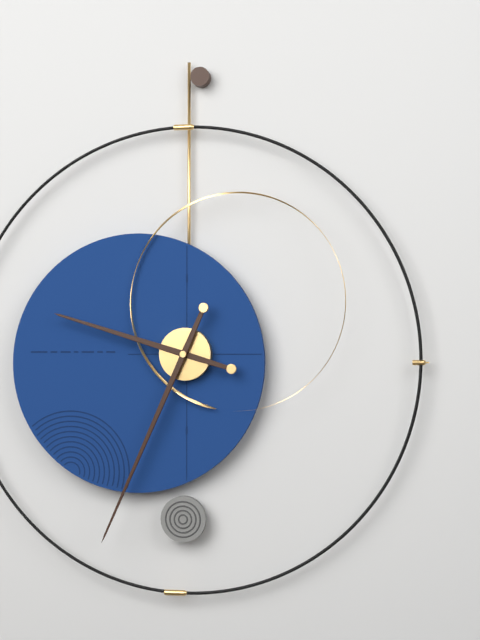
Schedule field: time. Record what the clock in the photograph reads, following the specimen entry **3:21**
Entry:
**9:34**
